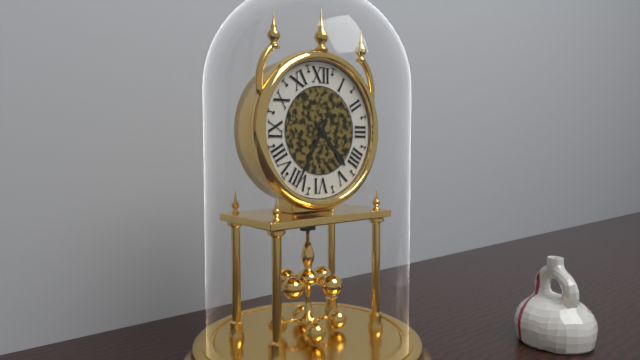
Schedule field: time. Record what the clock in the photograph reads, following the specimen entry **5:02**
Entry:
**4:35**
